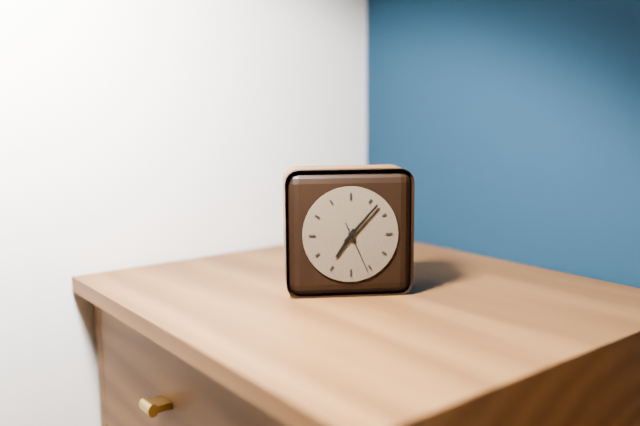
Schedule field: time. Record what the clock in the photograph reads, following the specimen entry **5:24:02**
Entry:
**7:07:26**
